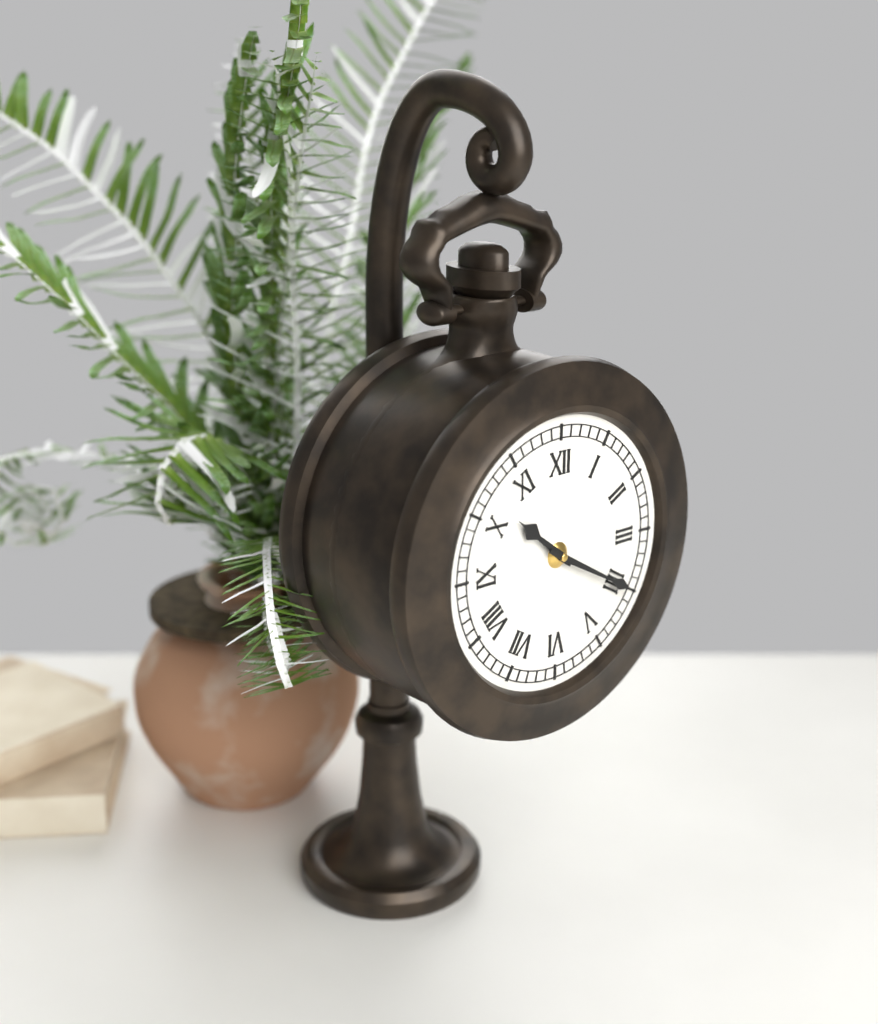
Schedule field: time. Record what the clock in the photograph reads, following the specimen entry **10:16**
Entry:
**10:20**
